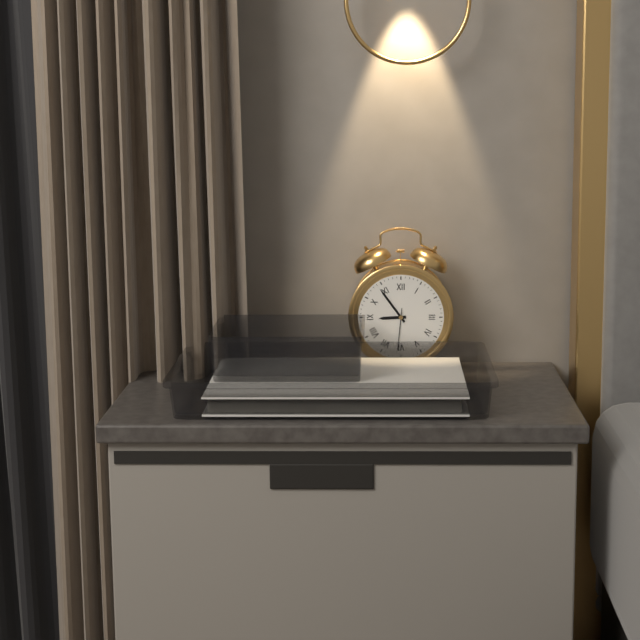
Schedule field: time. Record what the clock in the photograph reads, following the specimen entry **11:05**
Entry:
**8:54**
